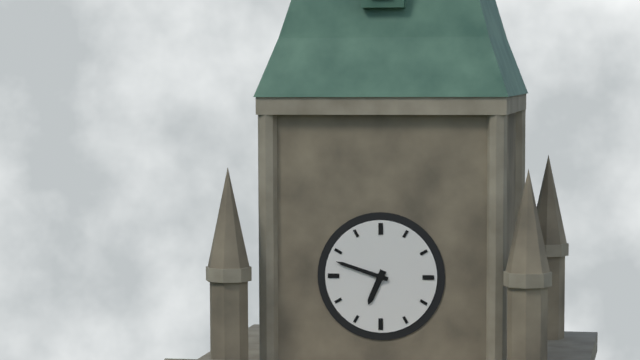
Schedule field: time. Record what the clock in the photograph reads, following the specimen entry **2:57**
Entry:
**6:48**
